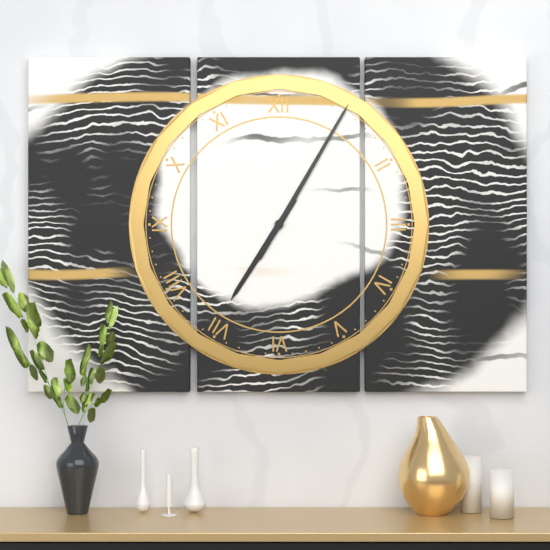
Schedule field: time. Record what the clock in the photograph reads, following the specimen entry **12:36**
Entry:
**7:05**
